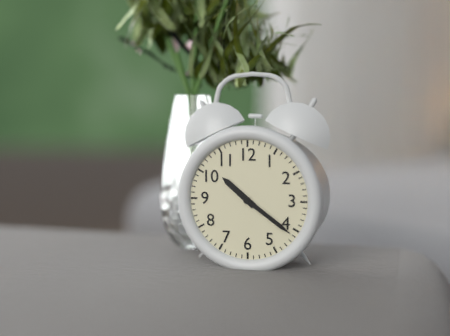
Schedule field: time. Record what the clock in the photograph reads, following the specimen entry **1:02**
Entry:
**10:21**
